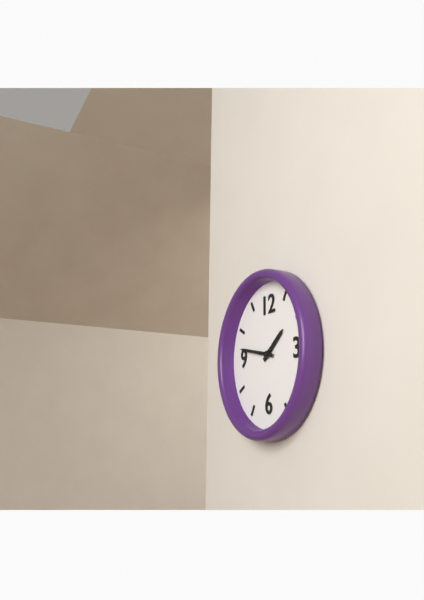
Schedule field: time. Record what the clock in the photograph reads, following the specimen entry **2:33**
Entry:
**1:47**
